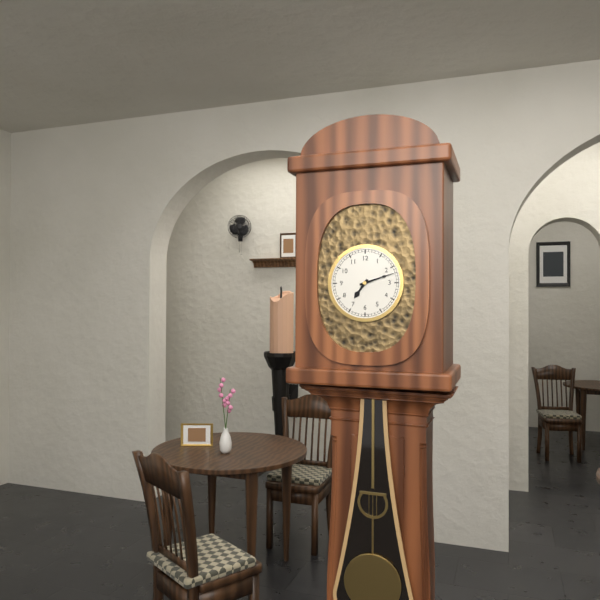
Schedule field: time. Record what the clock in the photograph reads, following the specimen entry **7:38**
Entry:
**7:12**
